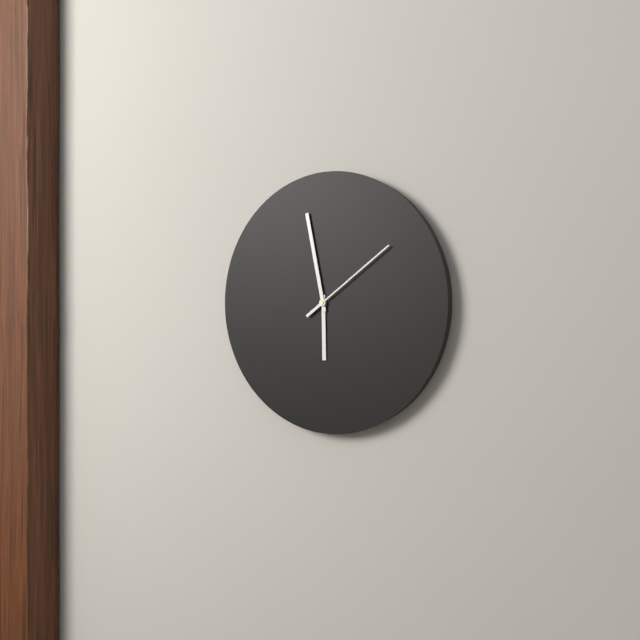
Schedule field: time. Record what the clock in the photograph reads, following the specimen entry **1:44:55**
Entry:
**5:58:09**
